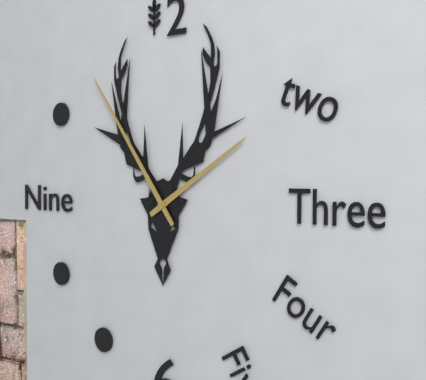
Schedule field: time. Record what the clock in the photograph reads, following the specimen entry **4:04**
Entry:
**1:54**
